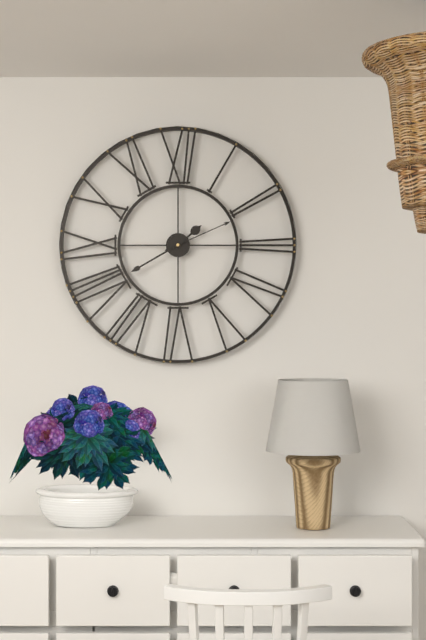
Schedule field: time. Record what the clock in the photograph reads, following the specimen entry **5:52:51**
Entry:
**1:40:11**
